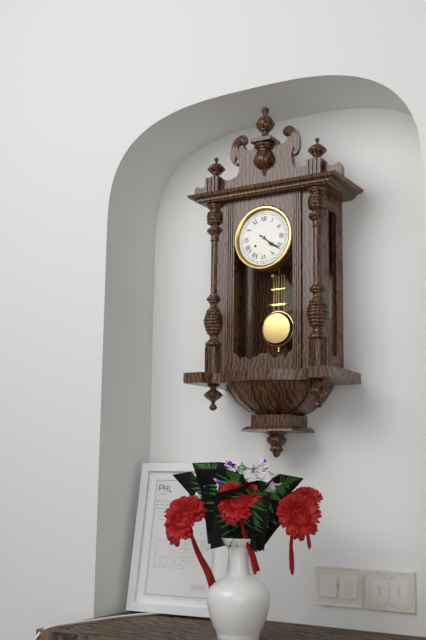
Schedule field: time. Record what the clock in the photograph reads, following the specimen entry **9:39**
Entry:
**4:21**
